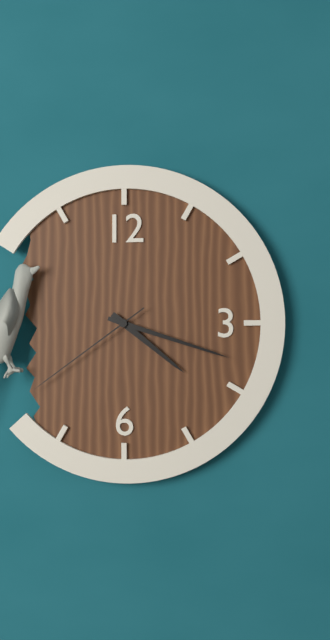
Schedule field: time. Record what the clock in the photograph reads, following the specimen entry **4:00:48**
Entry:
**4:18:39**
